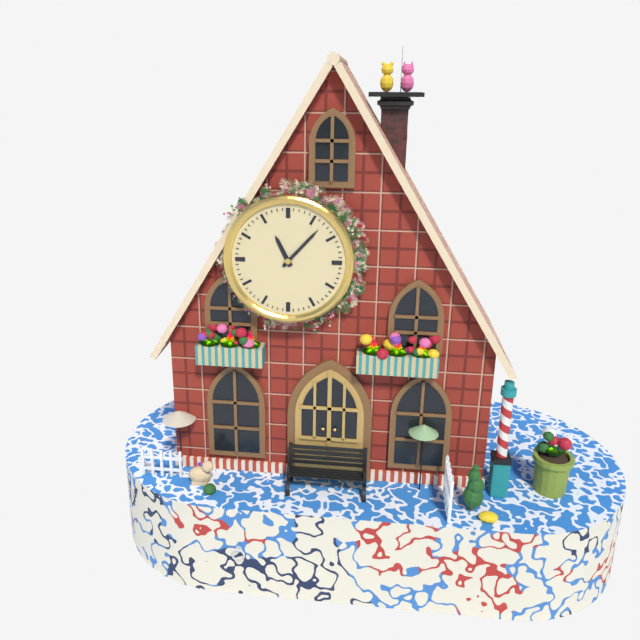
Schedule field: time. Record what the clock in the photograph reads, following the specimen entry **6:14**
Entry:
**11:07**
